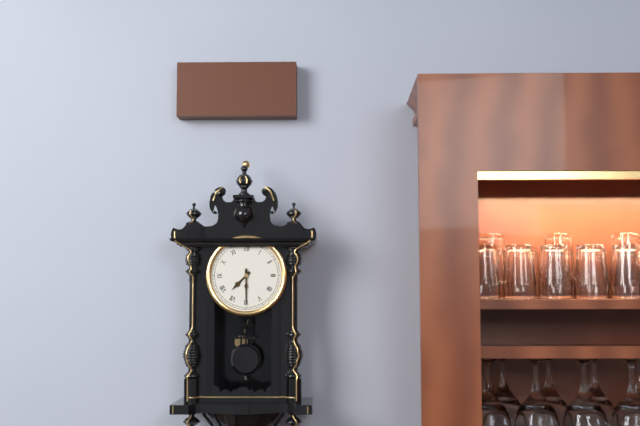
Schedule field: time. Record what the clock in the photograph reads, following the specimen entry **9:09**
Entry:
**7:30**
